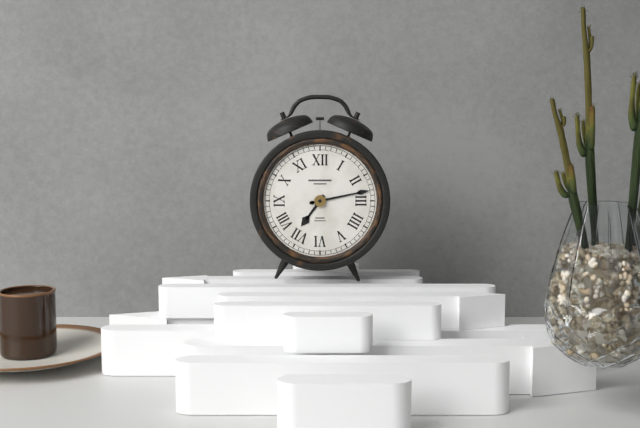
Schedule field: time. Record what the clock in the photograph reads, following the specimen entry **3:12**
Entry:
**7:13**
